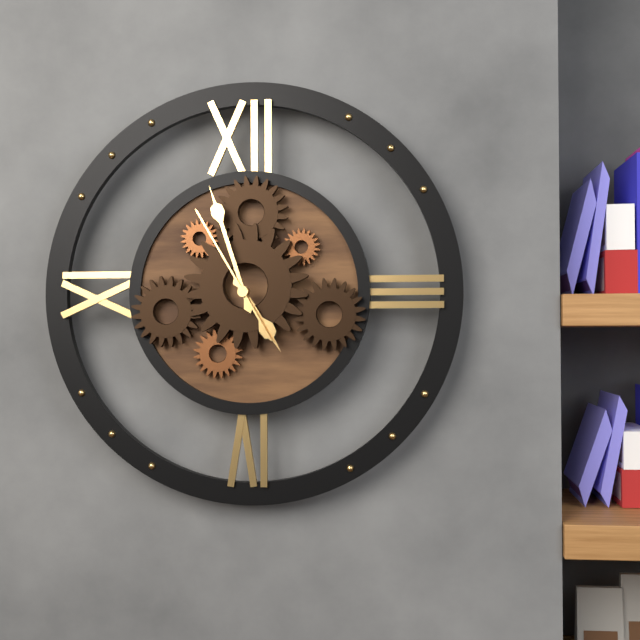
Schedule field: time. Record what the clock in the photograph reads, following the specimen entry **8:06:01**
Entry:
**4:57:55**
